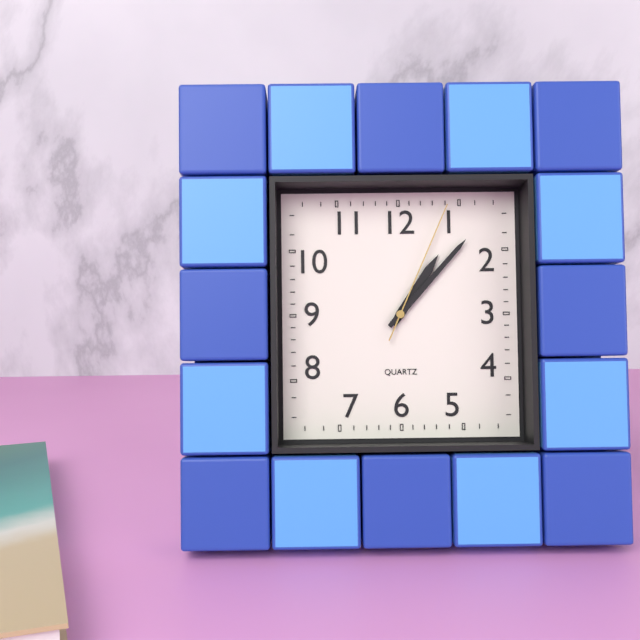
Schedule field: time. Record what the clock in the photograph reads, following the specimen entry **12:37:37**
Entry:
**1:07:04**
